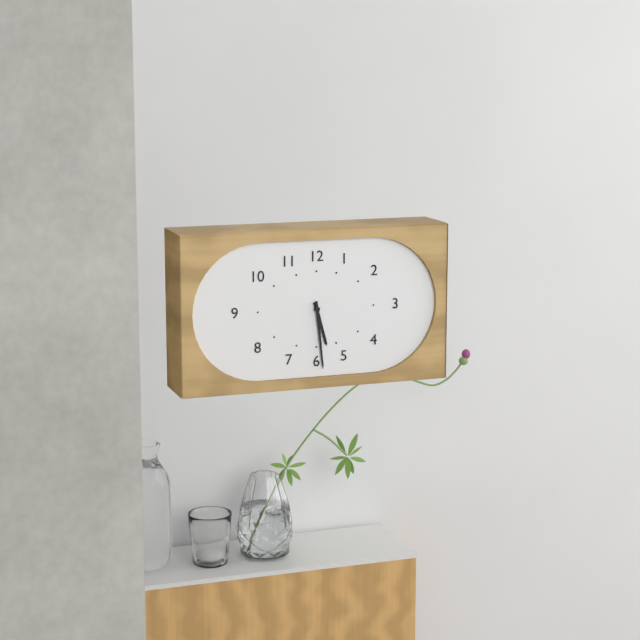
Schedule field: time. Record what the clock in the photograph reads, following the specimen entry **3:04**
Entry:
**5:29**
